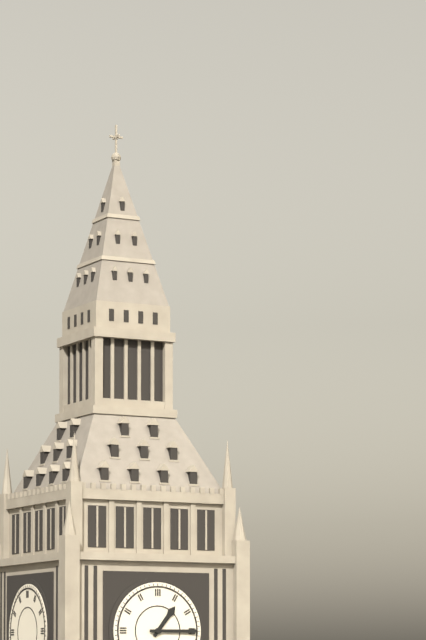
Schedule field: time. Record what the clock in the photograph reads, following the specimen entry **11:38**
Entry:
**1:15**
